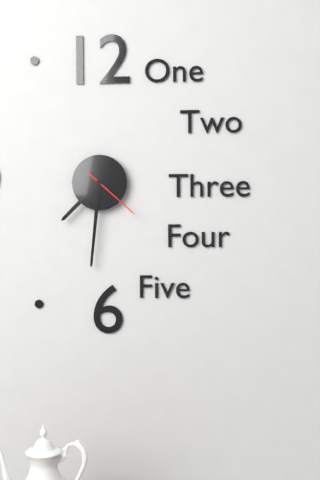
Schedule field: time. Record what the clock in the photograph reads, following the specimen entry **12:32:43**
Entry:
**7:31:22**
